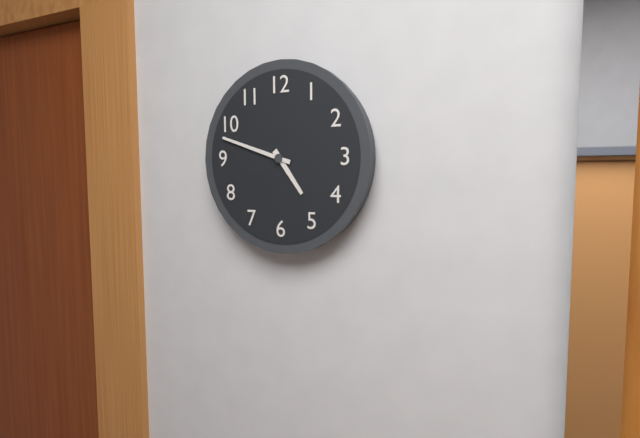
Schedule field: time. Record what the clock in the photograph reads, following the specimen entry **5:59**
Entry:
**4:48**
